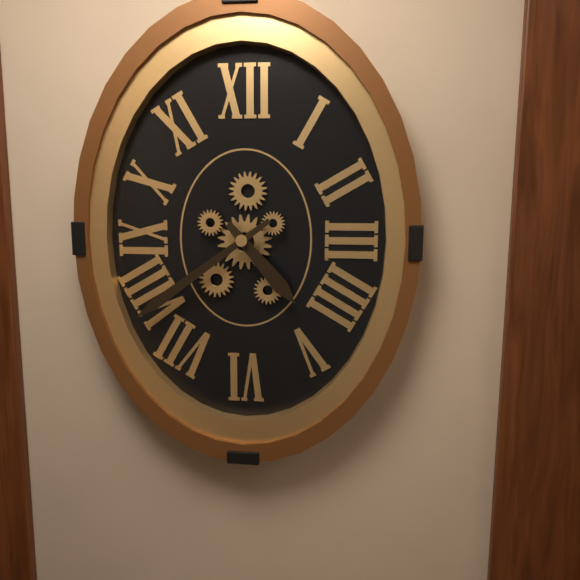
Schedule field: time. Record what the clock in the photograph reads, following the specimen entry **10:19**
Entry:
**4:39**
